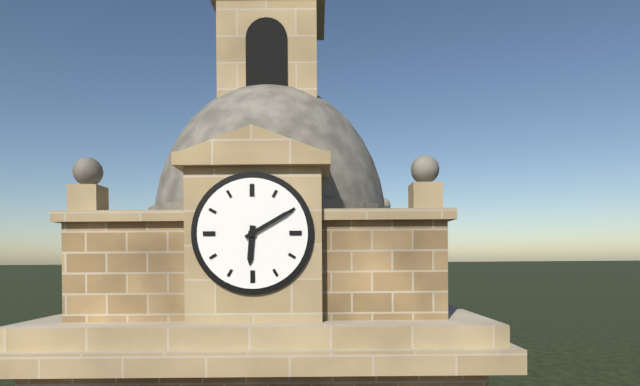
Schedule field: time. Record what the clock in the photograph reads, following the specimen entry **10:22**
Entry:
**6:10**
